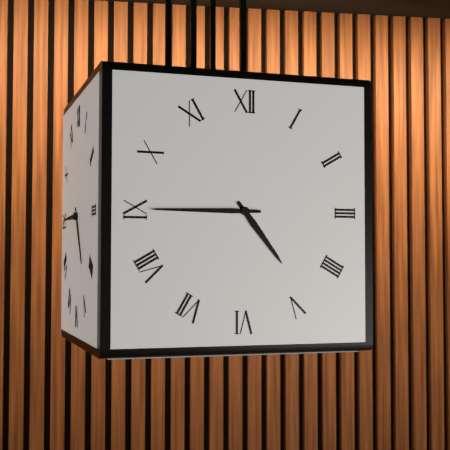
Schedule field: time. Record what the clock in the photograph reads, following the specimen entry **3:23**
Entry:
**4:45**
